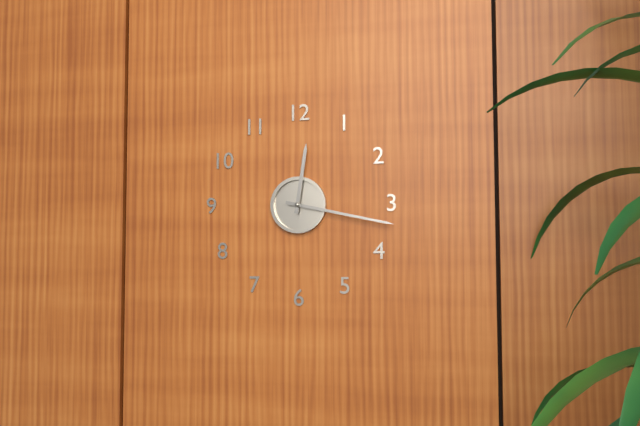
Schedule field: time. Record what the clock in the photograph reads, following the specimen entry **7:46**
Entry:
**12:17**
